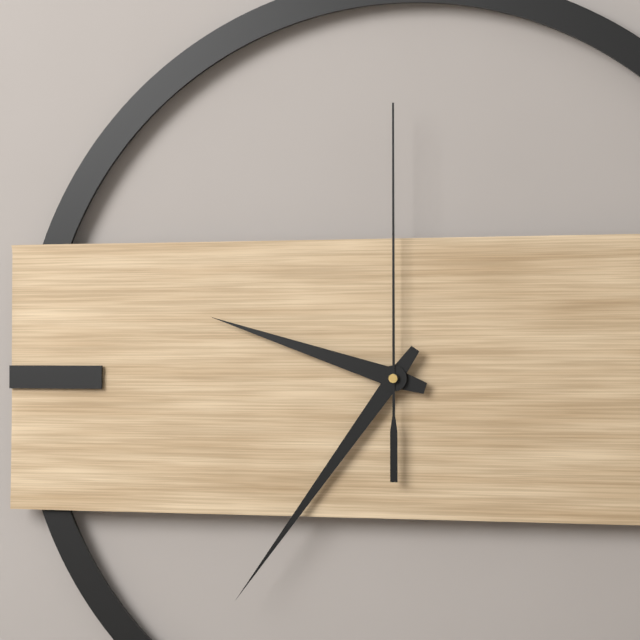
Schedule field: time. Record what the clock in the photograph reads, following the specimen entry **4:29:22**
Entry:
**9:36:00**
